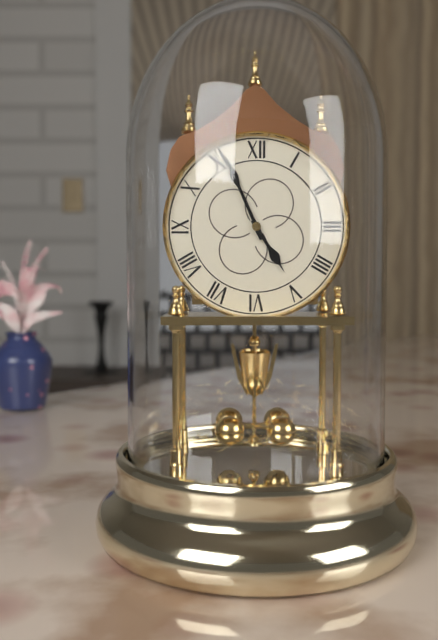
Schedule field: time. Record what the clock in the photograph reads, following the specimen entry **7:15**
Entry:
**4:56**
